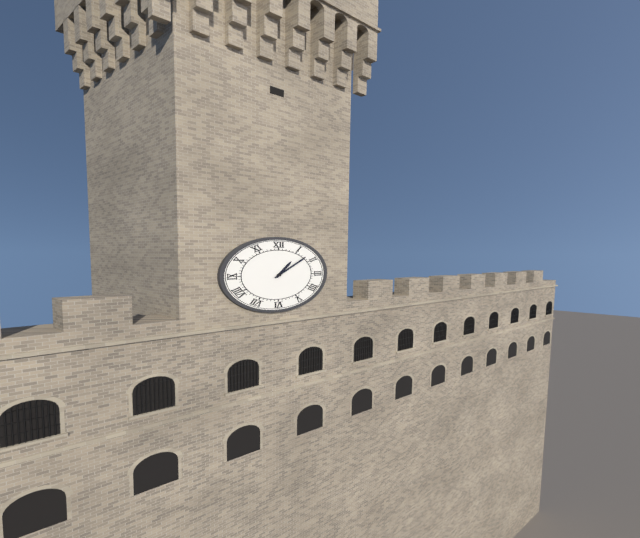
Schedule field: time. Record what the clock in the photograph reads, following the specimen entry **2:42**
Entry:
**1:08**
